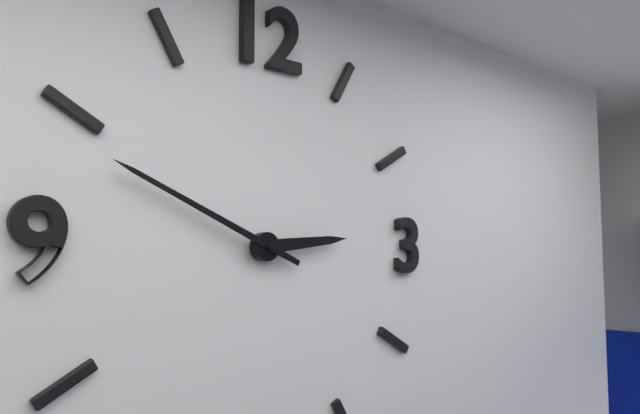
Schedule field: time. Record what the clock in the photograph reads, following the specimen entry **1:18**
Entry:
**2:49**
